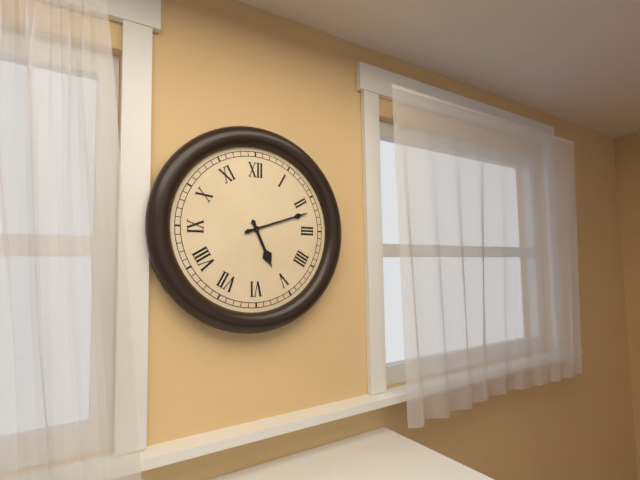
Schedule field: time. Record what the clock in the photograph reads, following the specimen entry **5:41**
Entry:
**5:12**
